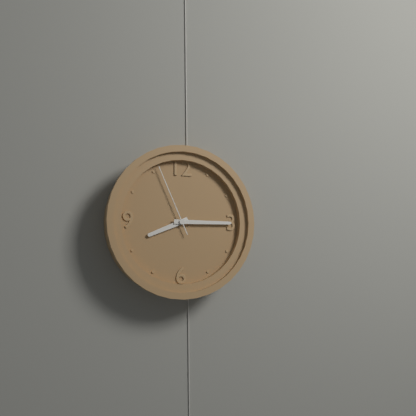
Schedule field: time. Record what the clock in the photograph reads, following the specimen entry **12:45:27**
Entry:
**8:15:56**
